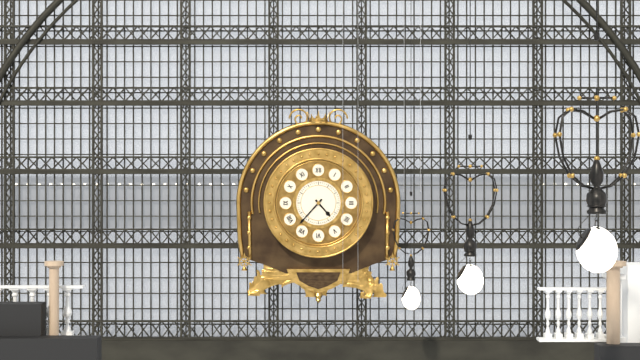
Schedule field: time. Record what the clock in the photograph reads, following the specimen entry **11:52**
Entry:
**4:37**
